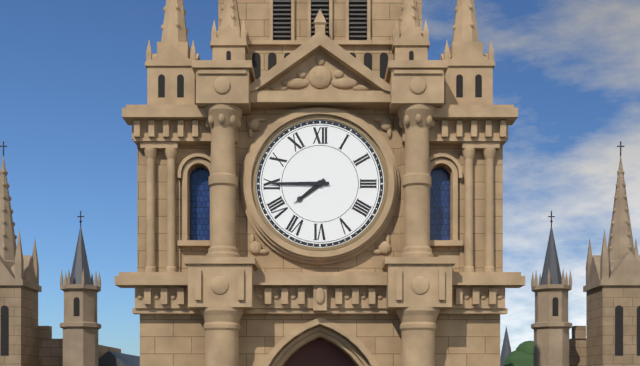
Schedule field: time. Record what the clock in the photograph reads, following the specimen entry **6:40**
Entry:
**7:45**
